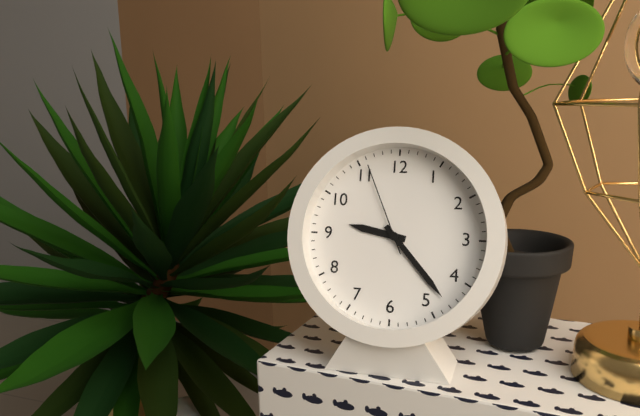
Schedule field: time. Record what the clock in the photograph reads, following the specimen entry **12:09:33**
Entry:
**9:23:56**
